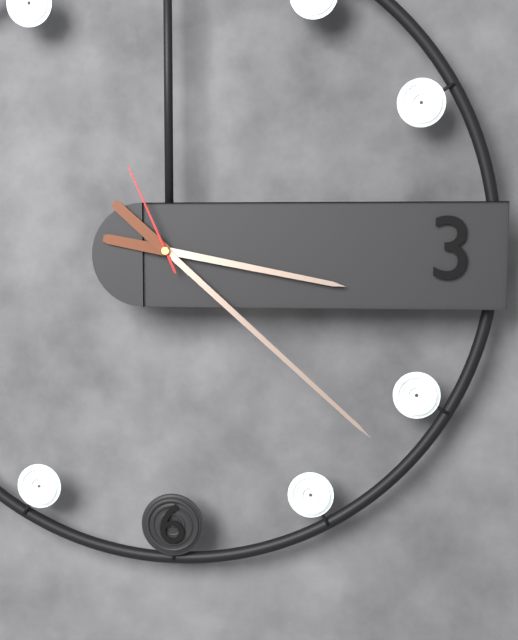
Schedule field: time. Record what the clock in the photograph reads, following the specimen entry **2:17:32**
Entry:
**3:22:56**
